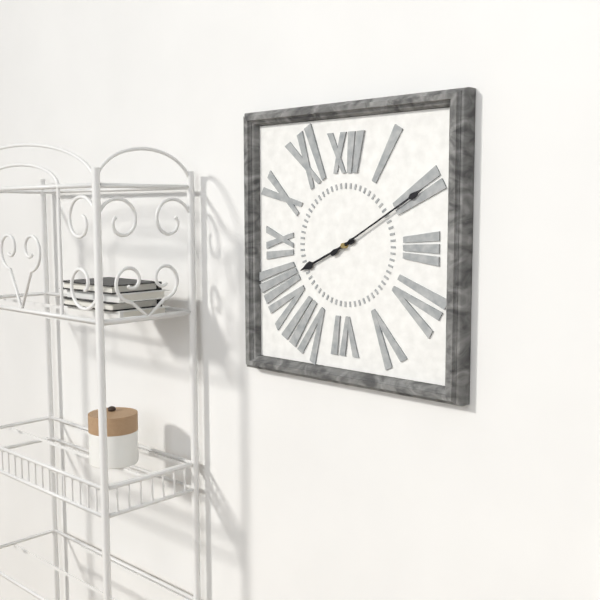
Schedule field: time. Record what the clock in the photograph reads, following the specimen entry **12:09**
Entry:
**8:10**
